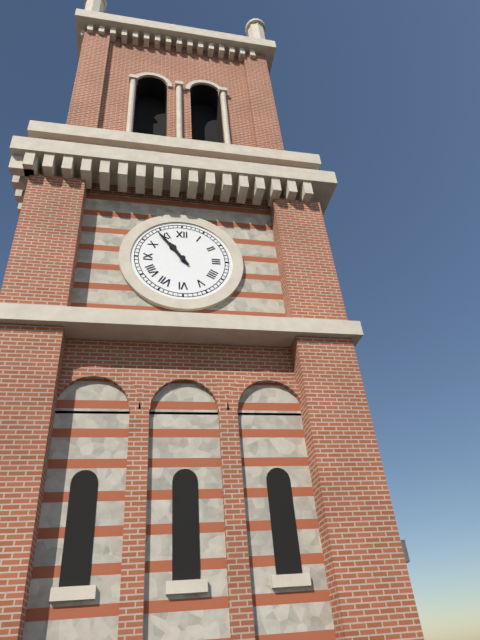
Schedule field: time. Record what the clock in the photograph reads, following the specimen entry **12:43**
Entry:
**10:54**
